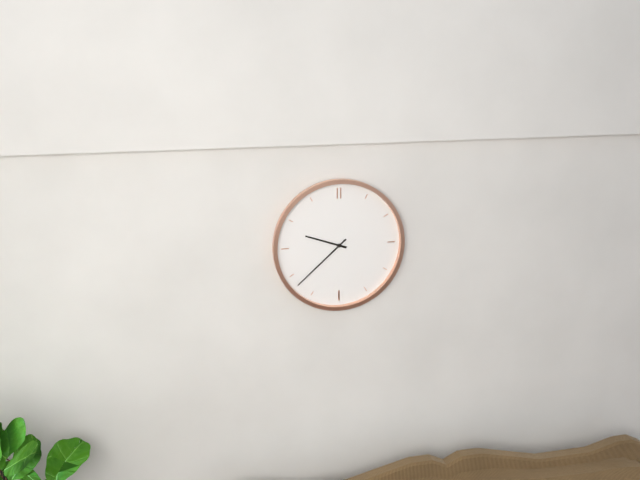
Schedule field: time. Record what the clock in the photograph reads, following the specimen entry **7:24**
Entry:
**9:38**
